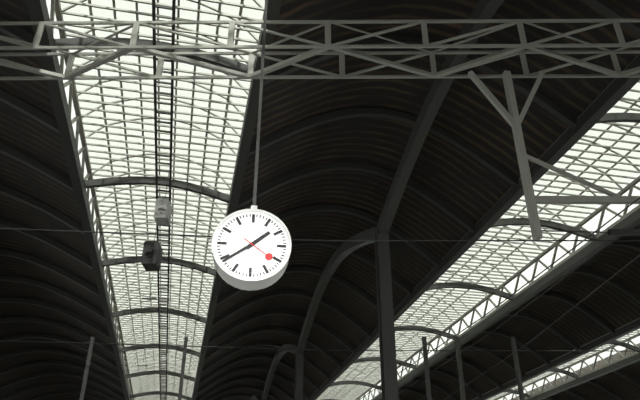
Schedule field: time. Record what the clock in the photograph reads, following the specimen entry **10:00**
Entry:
**1:39**
